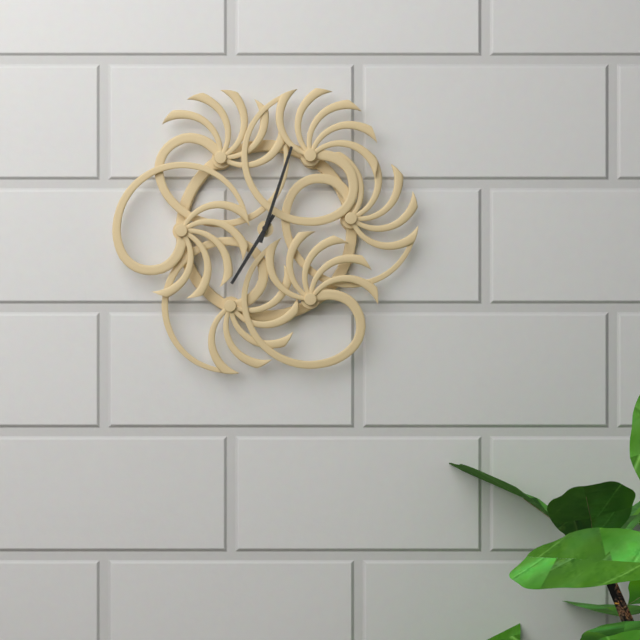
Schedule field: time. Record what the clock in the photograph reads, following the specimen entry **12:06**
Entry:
**7:03**
